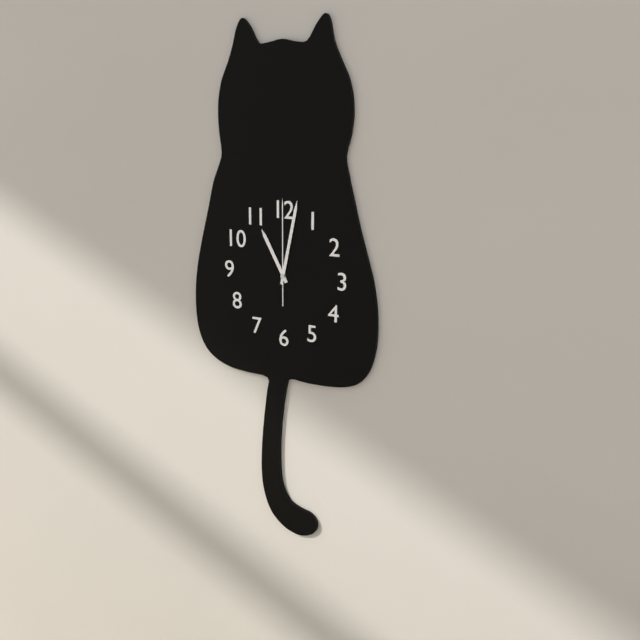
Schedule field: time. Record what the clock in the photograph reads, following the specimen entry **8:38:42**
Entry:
**11:02:00**
